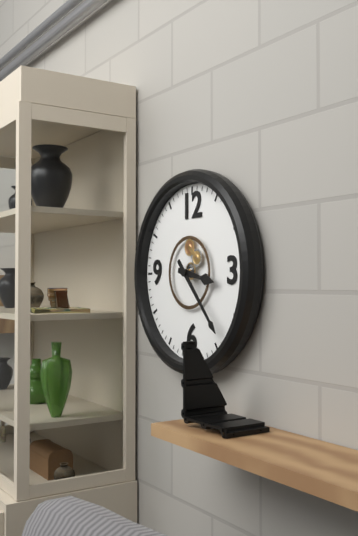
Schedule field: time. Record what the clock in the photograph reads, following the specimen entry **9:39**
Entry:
**3:23**
